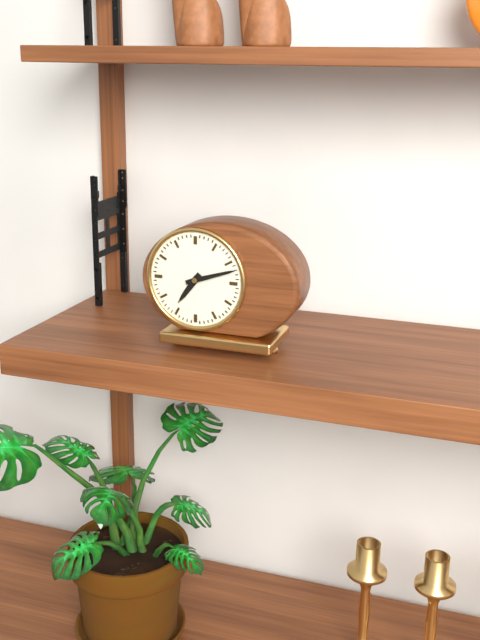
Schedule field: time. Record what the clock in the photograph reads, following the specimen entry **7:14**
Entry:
**7:12**
